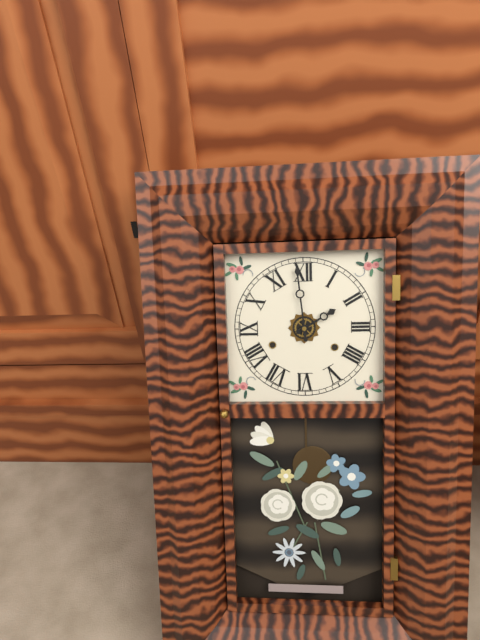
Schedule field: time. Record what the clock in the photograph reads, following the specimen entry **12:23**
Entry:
**1:59**
